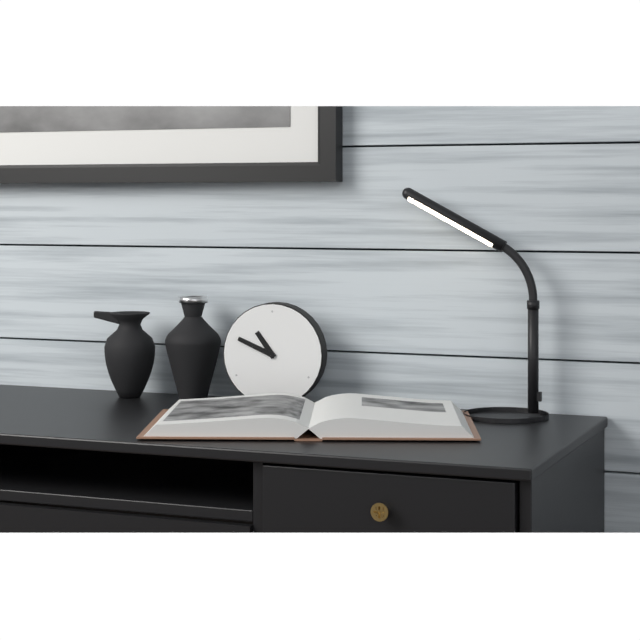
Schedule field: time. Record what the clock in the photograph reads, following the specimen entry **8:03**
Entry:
**10:49**
